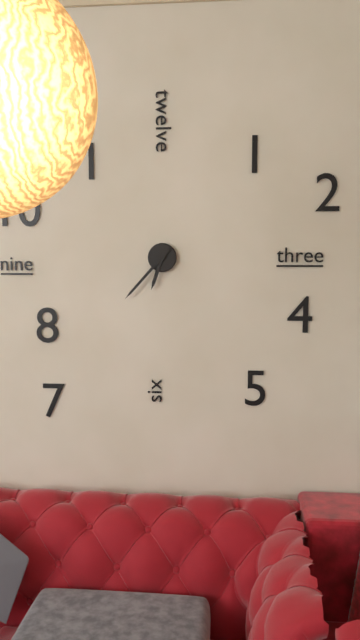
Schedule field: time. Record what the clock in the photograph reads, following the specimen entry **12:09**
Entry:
**6:37**
